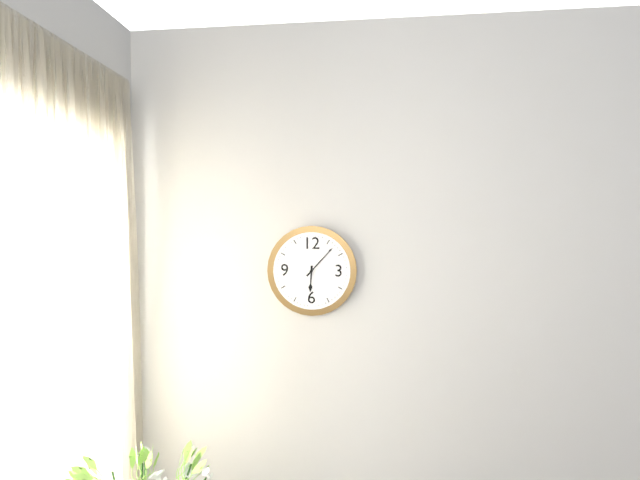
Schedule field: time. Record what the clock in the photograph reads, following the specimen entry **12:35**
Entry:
**6:07**
